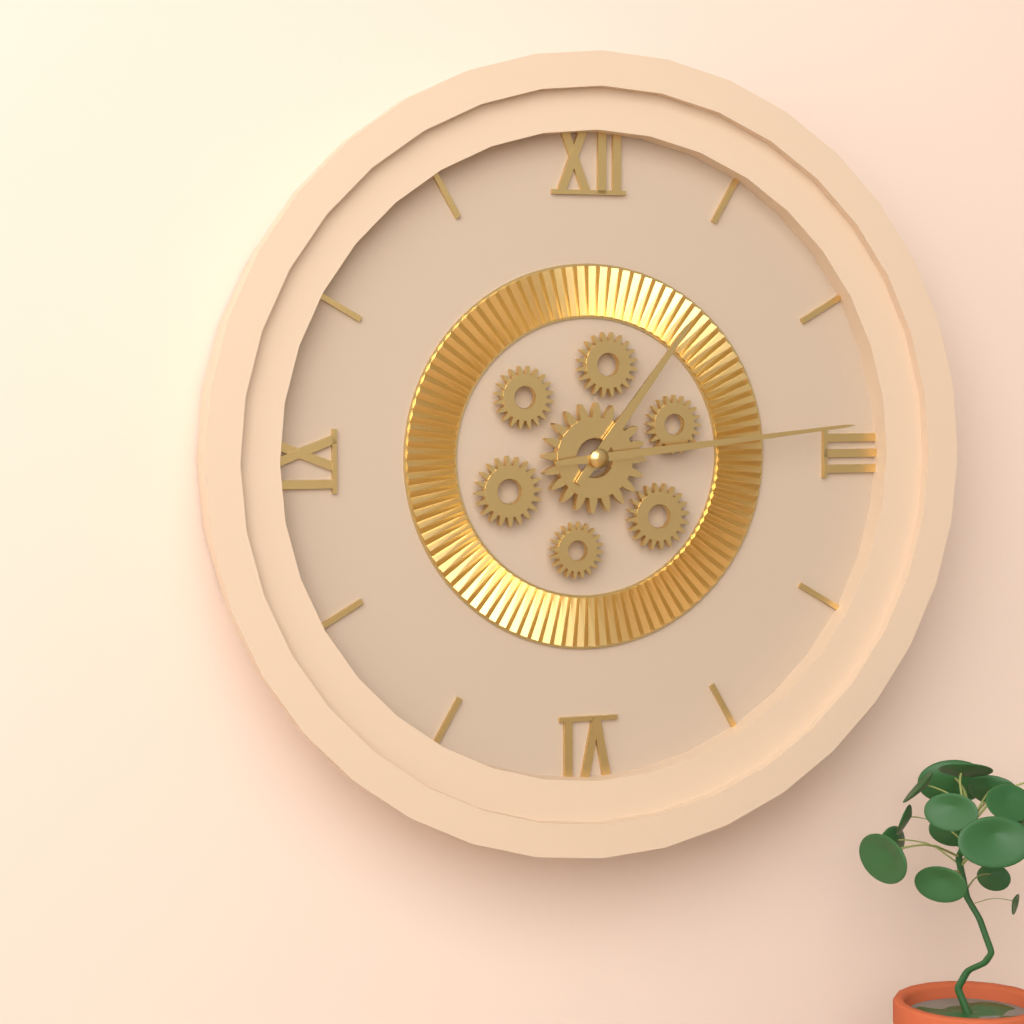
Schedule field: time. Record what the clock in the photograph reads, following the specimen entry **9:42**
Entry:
**1:14**
